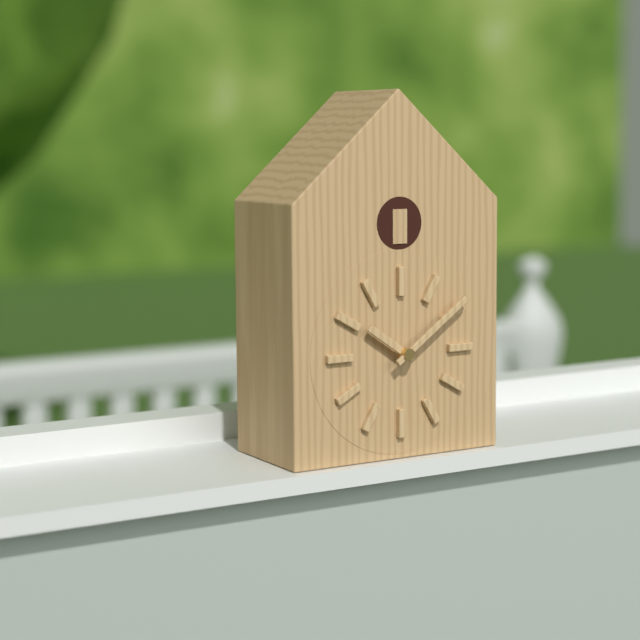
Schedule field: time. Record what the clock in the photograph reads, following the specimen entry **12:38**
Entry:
**10:09**
